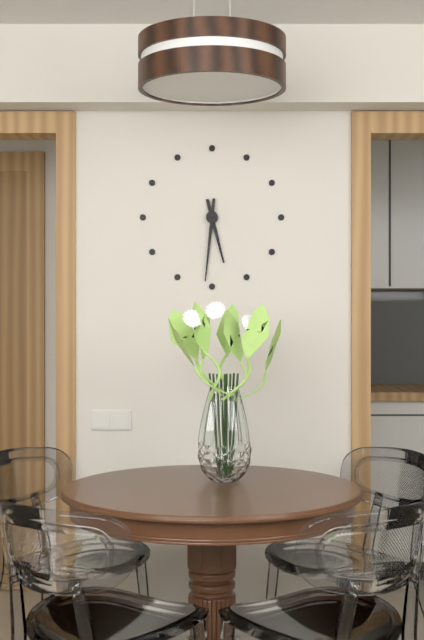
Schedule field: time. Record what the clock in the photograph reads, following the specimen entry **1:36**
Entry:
**5:31**
